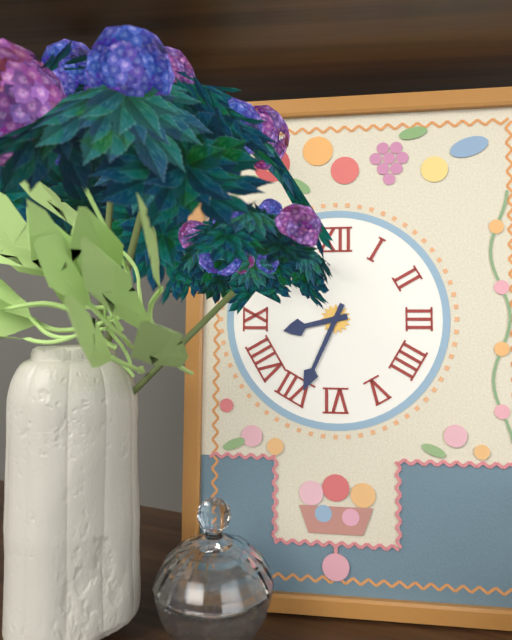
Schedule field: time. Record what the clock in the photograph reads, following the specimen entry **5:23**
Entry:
**8:34**
